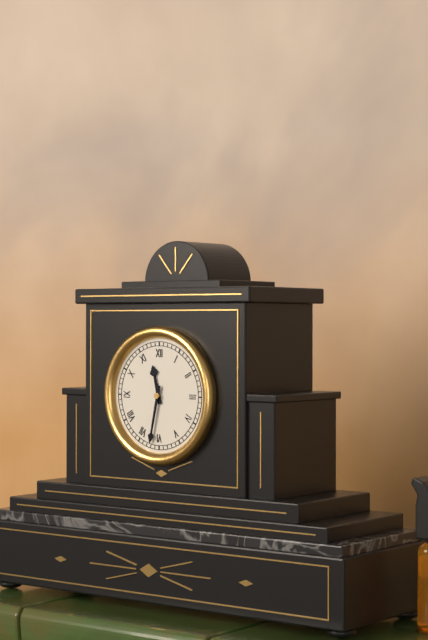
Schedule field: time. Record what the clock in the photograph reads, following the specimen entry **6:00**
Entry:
**11:32**
